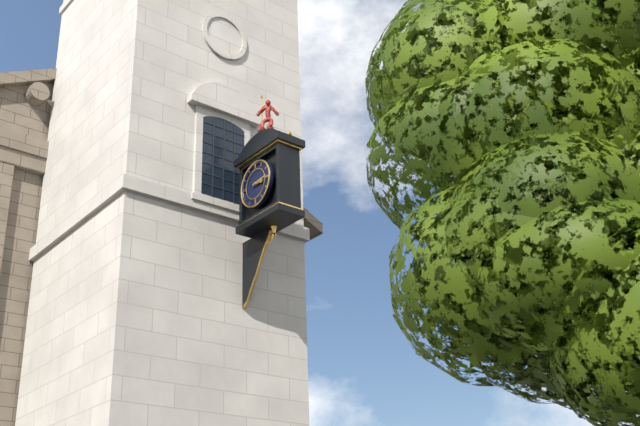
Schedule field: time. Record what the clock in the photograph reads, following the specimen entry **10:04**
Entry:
**3:14**
